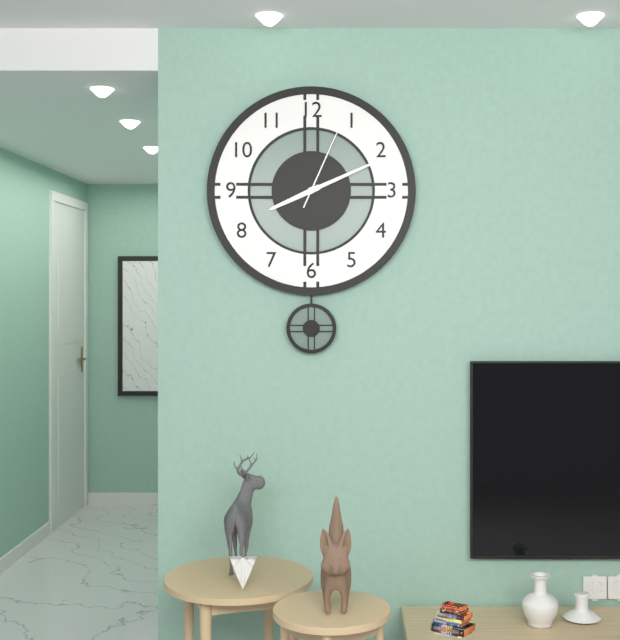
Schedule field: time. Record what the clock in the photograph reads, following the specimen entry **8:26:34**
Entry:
**8:11:04**
